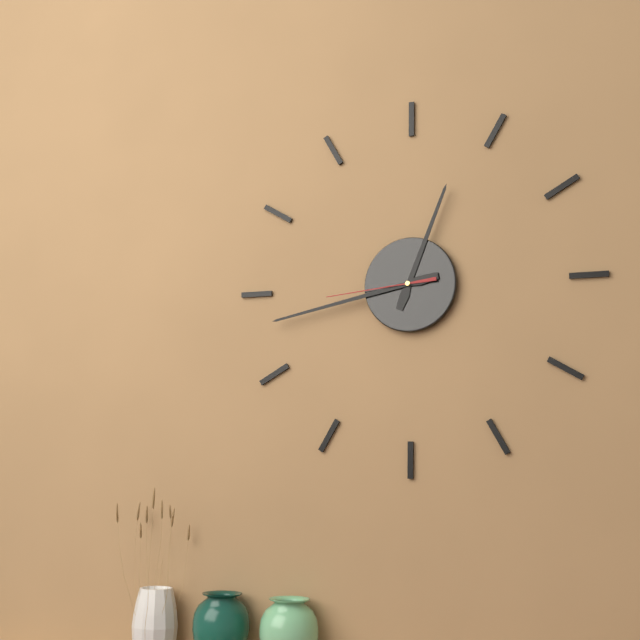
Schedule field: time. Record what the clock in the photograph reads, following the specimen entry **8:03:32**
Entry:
**12:43:44**
